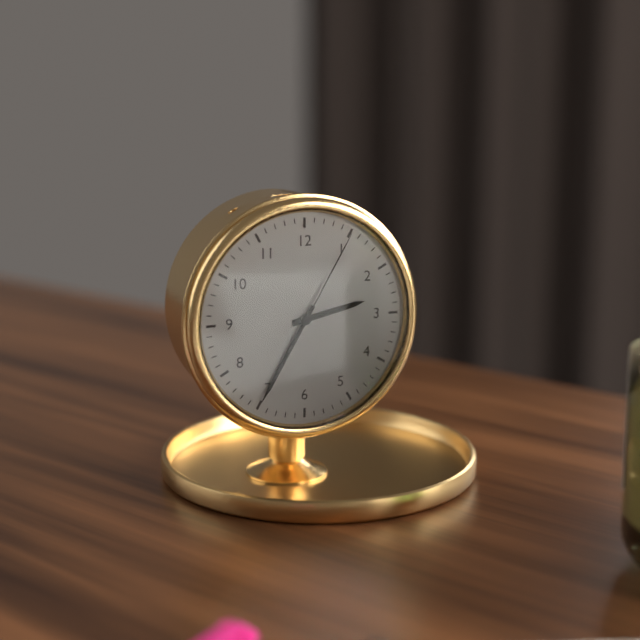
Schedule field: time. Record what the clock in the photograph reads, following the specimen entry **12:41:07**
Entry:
**2:35:05**
